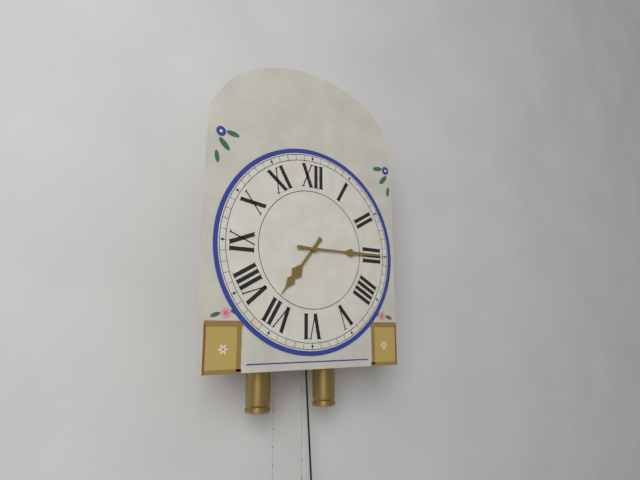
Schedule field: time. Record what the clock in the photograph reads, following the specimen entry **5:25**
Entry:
**7:15**
